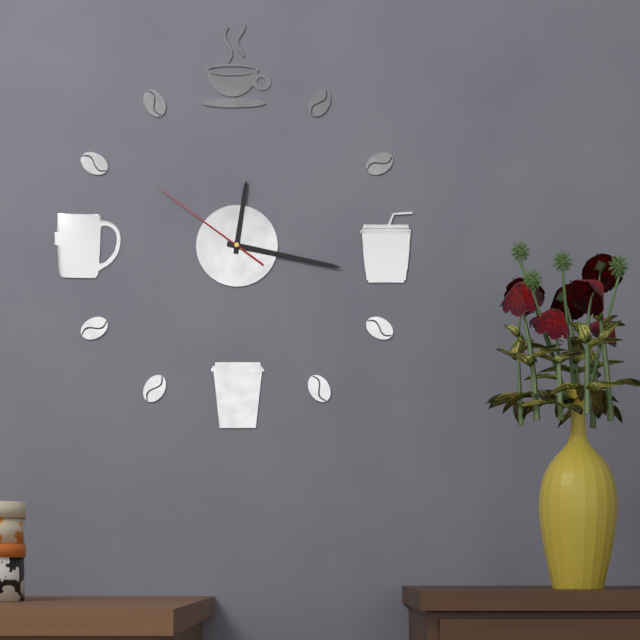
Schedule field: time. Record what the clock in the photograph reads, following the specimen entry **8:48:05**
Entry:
**12:17:51**
